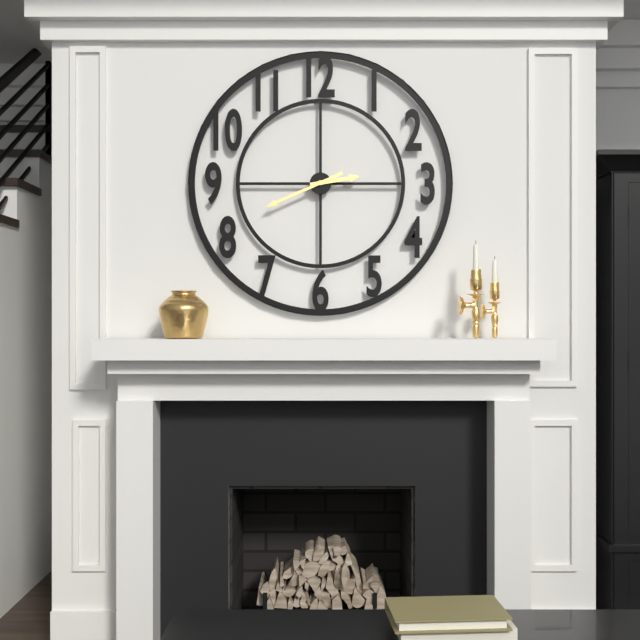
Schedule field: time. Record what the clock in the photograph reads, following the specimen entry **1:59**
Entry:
**2:41**
